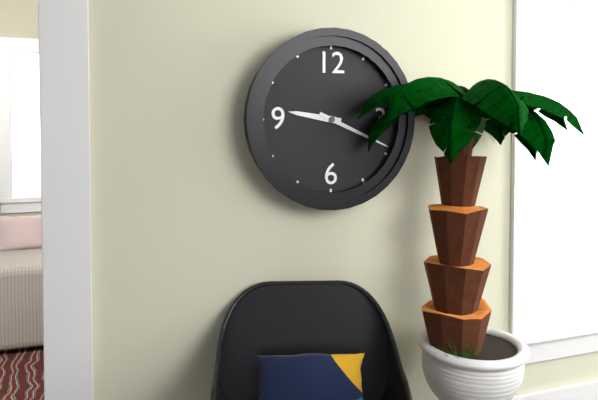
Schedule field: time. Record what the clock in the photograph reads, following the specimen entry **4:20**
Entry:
**9:19**
